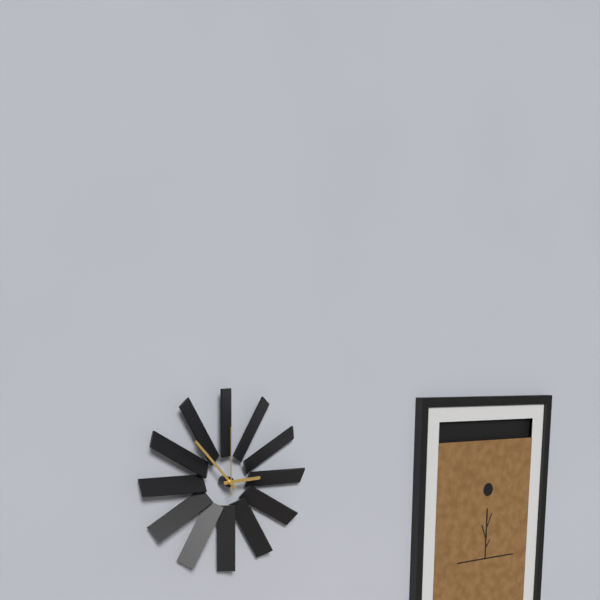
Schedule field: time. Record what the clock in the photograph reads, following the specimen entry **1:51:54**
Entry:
**2:53:00**
